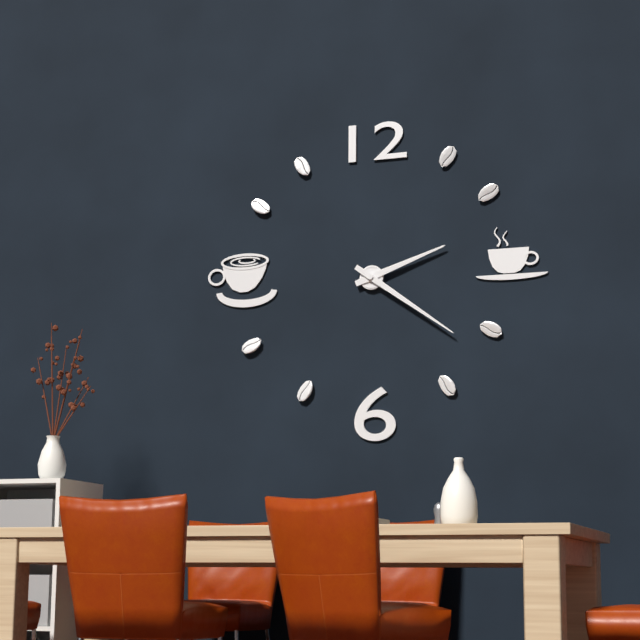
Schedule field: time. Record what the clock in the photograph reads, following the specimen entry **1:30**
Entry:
**2:21**
